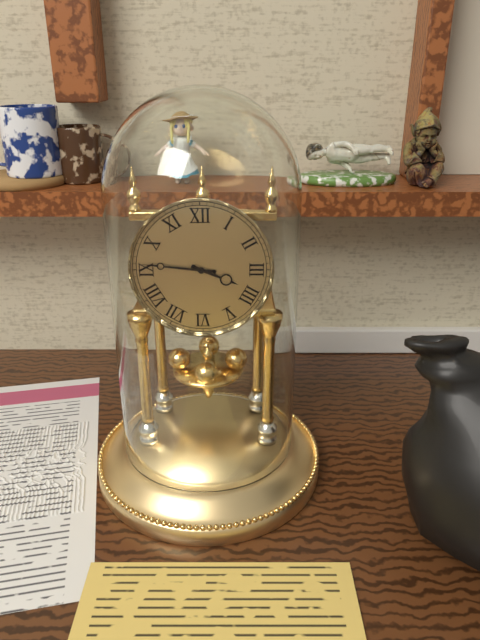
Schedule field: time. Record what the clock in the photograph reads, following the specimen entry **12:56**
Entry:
**3:46**
